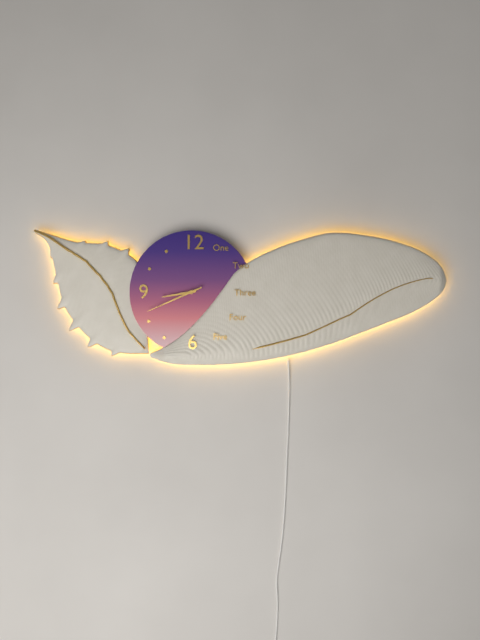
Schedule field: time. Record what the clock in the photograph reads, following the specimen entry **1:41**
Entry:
**8:41**
